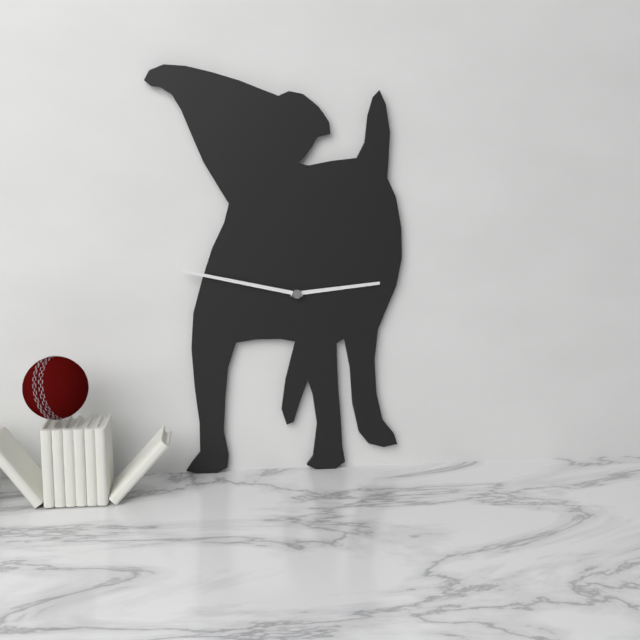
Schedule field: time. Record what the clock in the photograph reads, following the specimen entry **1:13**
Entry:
**2:47**
